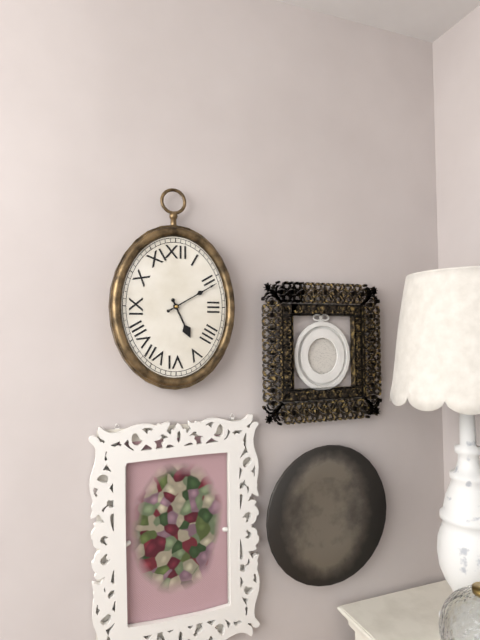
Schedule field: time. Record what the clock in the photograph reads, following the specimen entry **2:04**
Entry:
**5:10**
